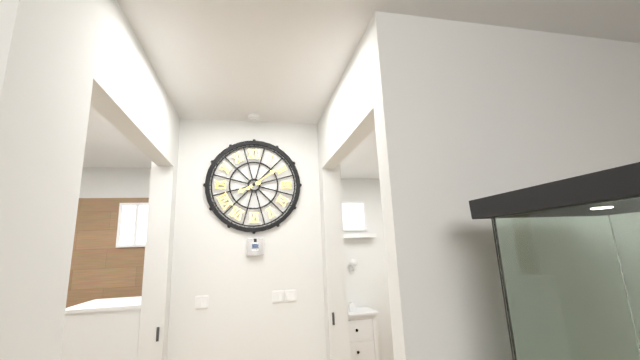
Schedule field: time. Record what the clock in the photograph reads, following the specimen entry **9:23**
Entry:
**8:09**
